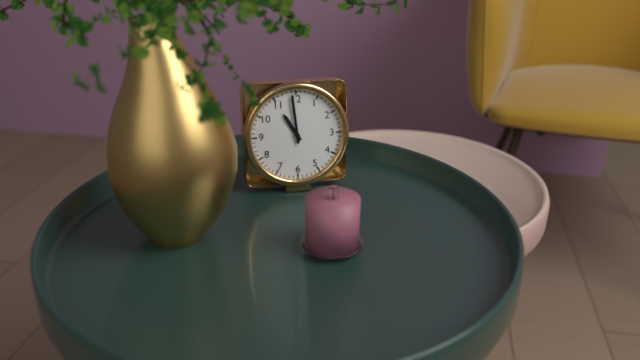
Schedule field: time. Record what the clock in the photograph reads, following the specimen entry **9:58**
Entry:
**10:59**
